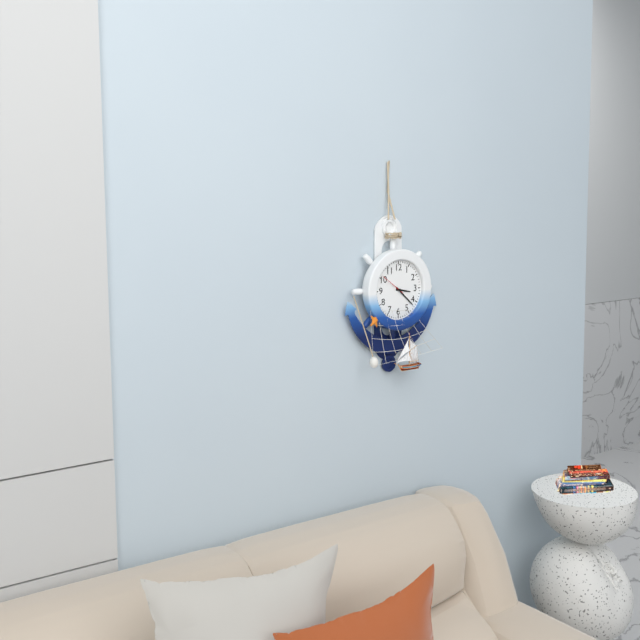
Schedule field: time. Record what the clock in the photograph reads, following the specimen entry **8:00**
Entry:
**3:22**
